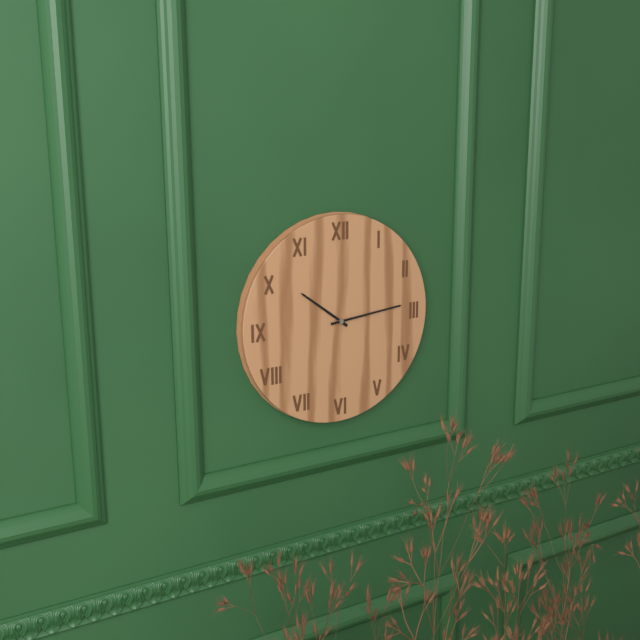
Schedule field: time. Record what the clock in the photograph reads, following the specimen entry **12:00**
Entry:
**10:14**
